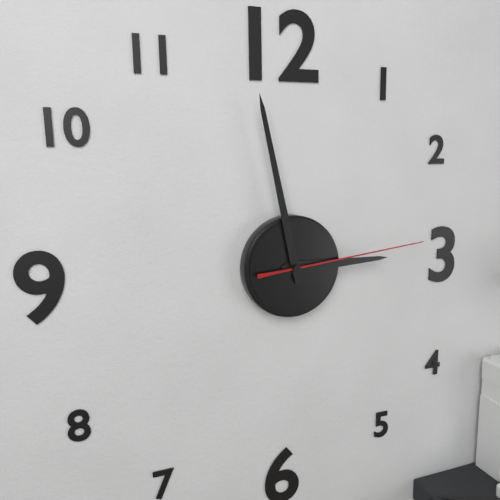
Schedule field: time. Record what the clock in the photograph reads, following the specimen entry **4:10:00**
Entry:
**2:58:14**
